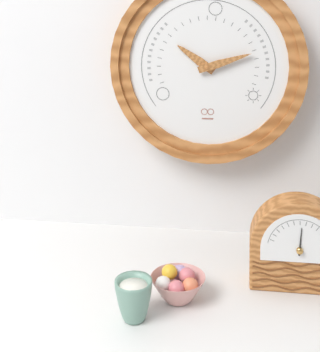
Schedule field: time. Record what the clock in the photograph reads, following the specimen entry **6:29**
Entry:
**10:12**
